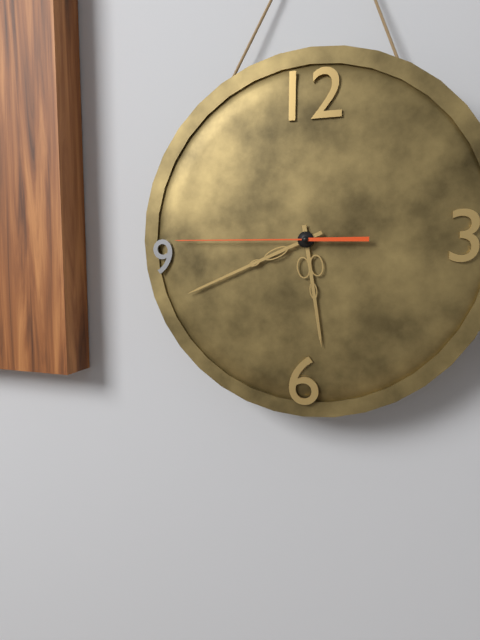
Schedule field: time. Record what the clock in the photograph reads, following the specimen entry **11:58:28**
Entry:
**5:41:45**
